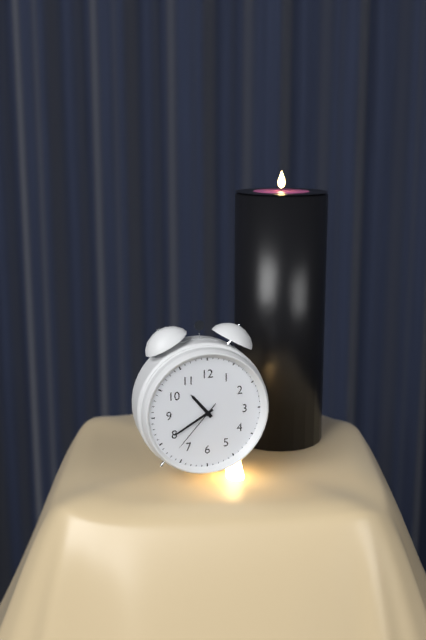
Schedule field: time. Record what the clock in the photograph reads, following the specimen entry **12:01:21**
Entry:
**10:40:37**
